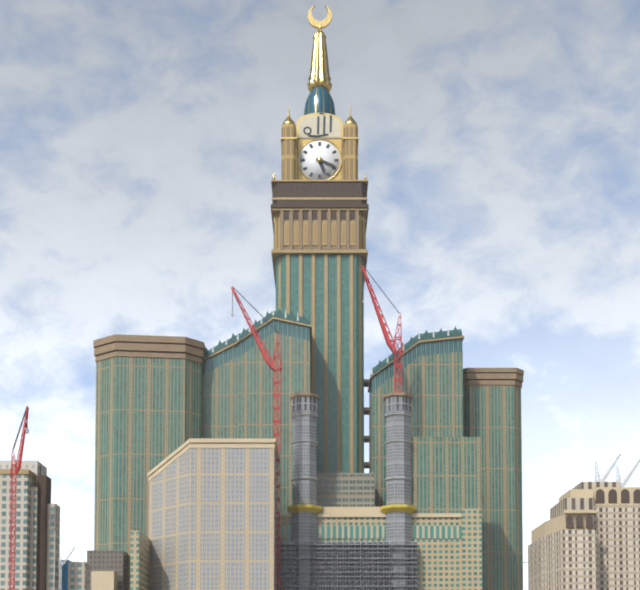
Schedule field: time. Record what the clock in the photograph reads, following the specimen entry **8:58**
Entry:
**5:19**
